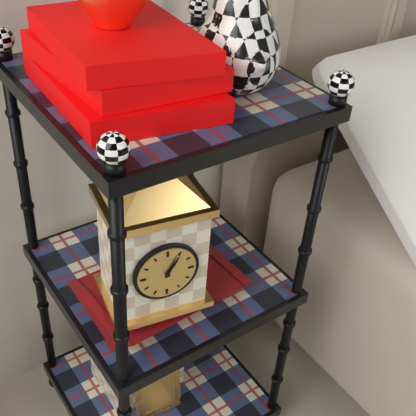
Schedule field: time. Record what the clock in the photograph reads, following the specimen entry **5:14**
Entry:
**1:05**
